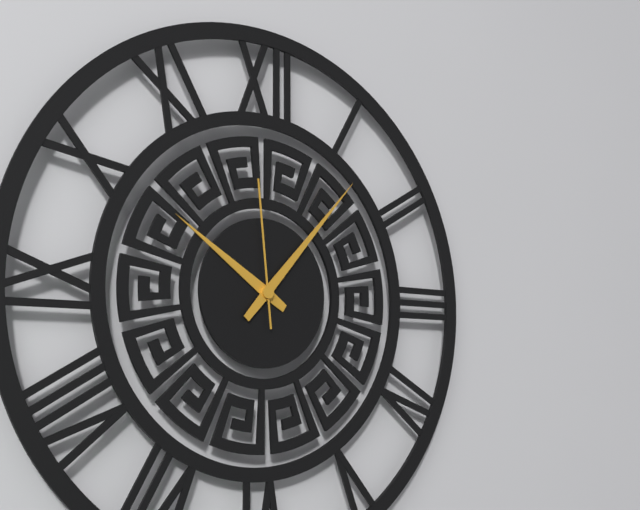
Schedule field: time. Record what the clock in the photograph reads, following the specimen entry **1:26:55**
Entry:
**10:07:59**
